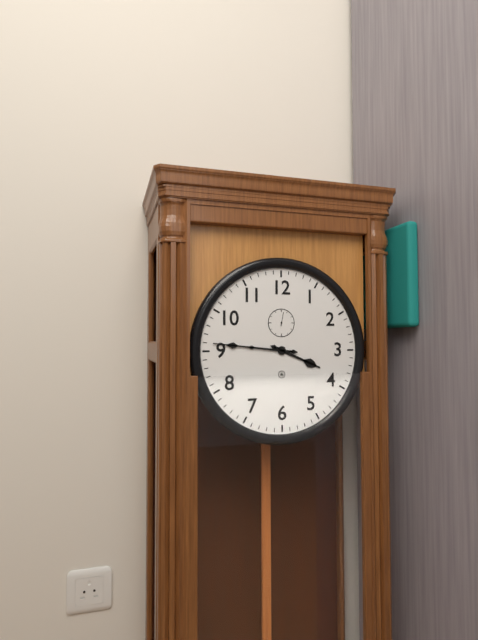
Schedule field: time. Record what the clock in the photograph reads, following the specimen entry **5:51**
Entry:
**3:46**
